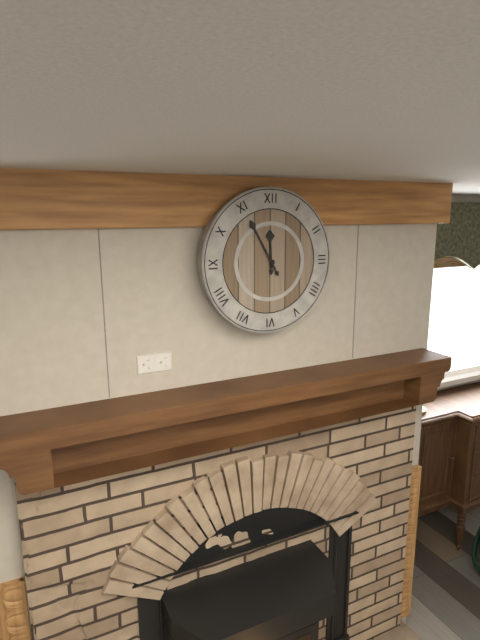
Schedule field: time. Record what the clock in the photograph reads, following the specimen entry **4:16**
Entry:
**11:55**
